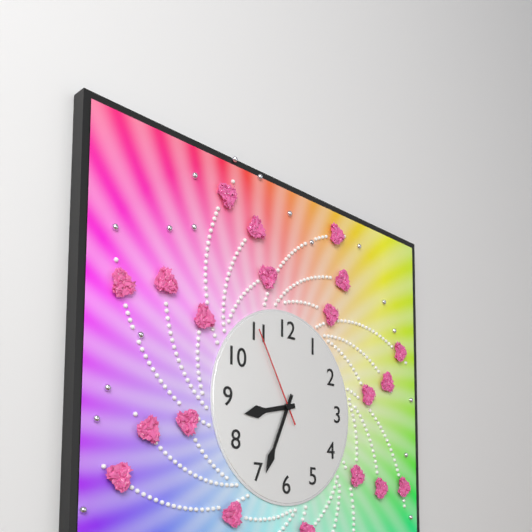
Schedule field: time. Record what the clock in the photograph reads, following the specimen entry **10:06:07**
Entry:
**8:34:55**
